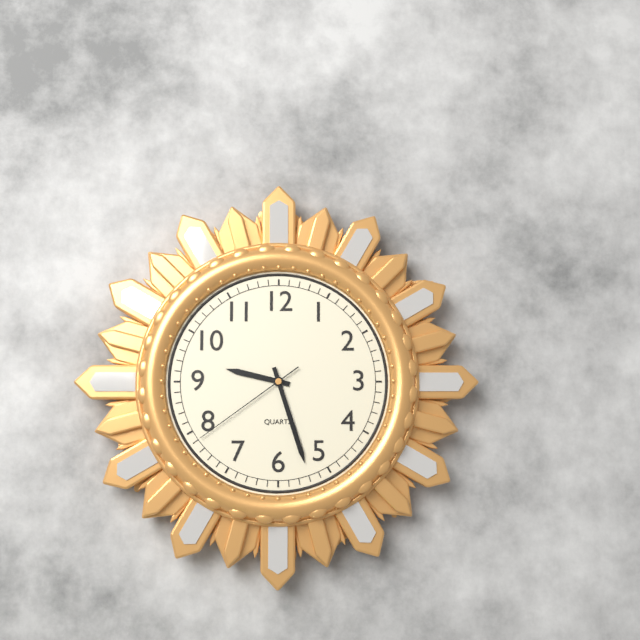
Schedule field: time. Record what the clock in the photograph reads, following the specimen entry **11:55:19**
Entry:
**9:27:39**
